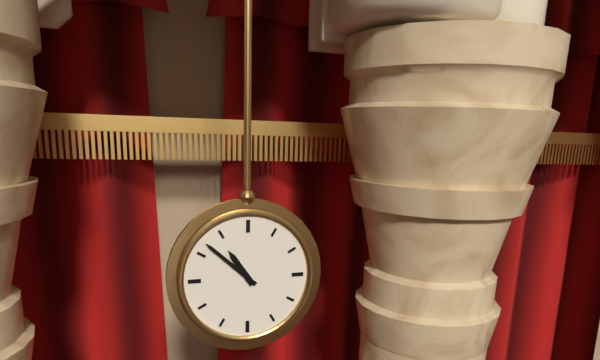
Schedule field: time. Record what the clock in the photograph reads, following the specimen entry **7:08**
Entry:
**10:52**
